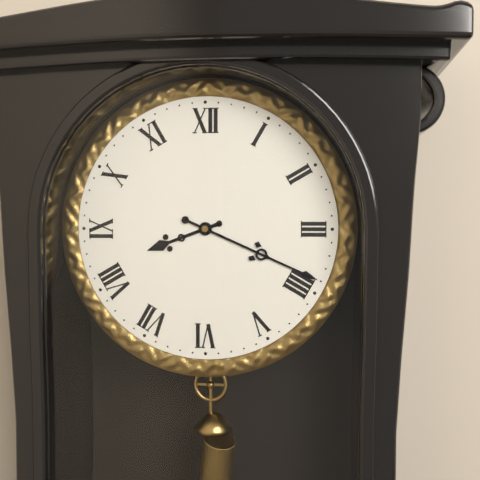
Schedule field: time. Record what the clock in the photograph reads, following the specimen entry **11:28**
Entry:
**8:19**
